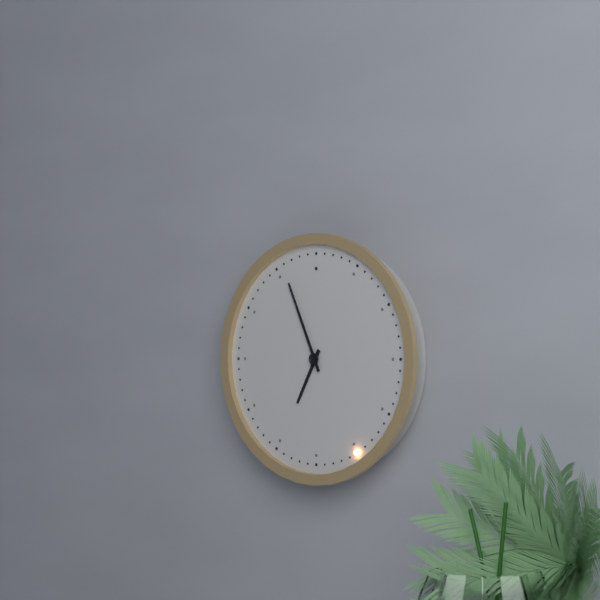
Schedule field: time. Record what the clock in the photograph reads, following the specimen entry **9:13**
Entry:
**6:56**
